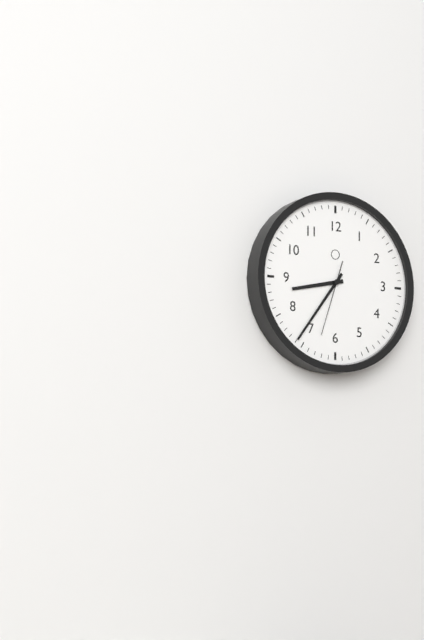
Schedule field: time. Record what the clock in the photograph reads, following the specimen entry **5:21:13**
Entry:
**8:36:33**
